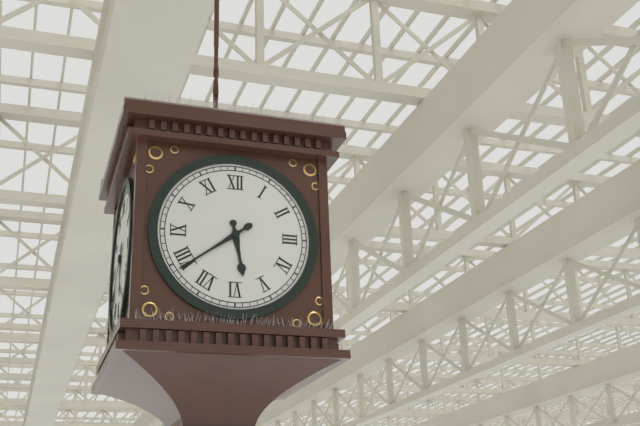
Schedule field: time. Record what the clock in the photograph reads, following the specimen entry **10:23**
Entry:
**5:39**
